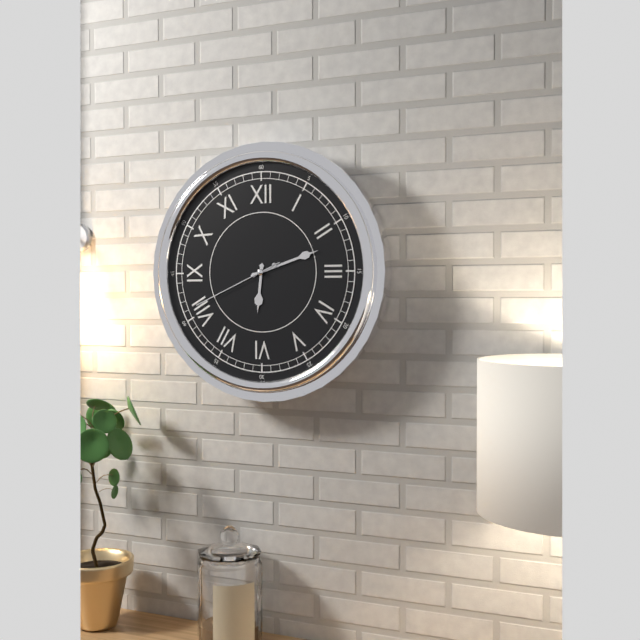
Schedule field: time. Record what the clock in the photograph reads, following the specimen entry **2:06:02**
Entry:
**6:12:41**
